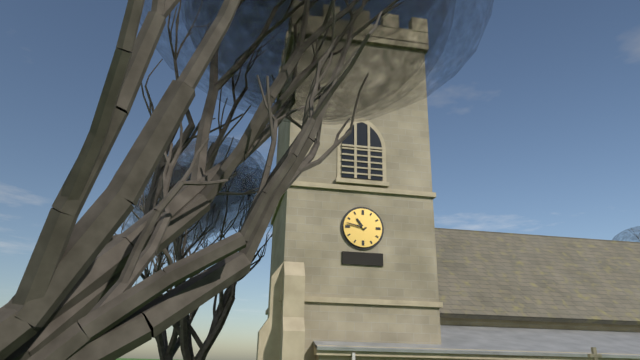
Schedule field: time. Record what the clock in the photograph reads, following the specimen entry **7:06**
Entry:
**10:47**
